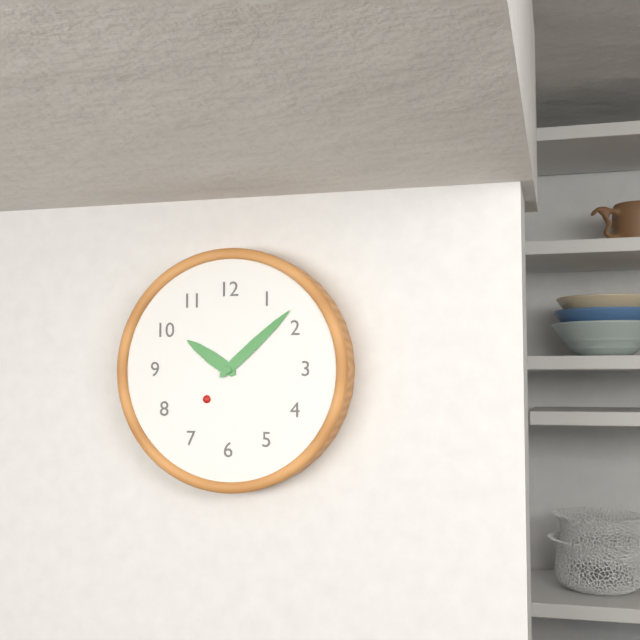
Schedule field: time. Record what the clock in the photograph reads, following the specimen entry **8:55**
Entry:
**10:08**
